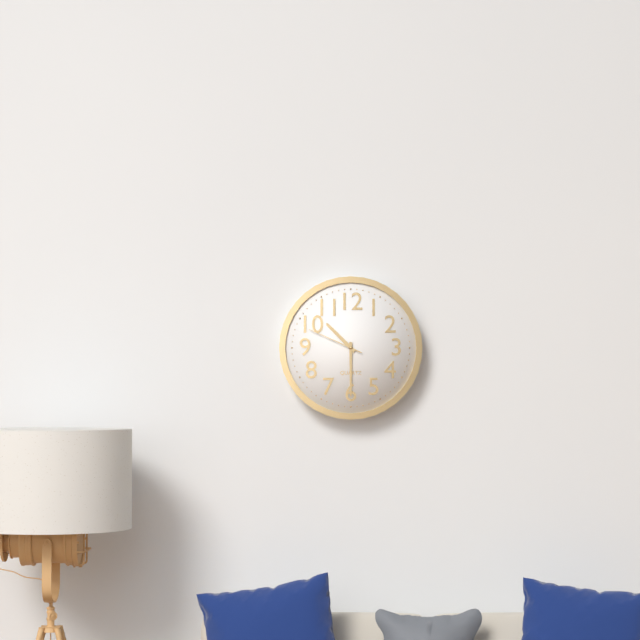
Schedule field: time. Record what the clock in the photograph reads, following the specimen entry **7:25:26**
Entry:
**10:30:49**
